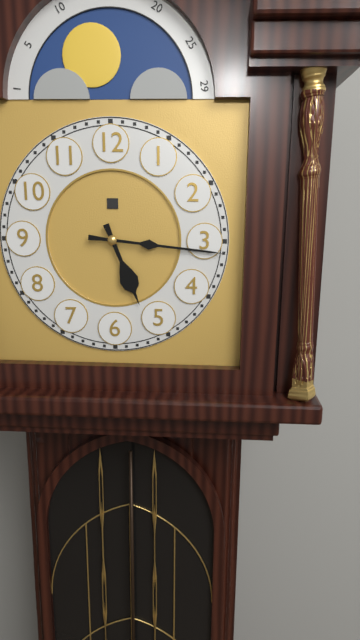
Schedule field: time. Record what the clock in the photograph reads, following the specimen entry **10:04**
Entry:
**5:16**
